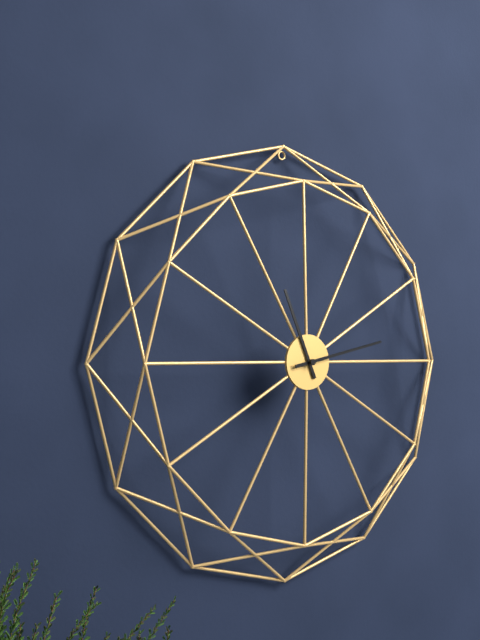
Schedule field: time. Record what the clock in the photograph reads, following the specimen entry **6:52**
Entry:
**11:13**
